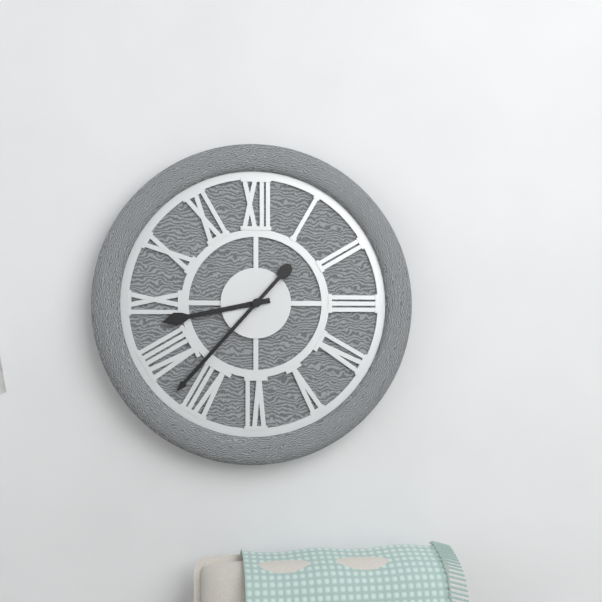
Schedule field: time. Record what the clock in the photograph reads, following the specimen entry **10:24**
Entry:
**8:37**
